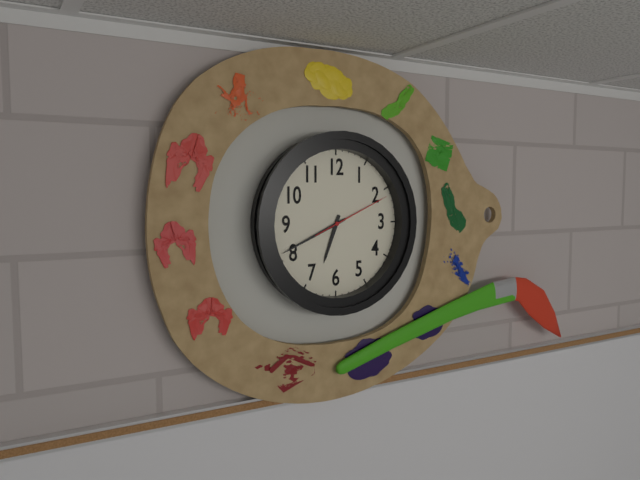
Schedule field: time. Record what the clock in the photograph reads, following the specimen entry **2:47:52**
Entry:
**6:41:11**
